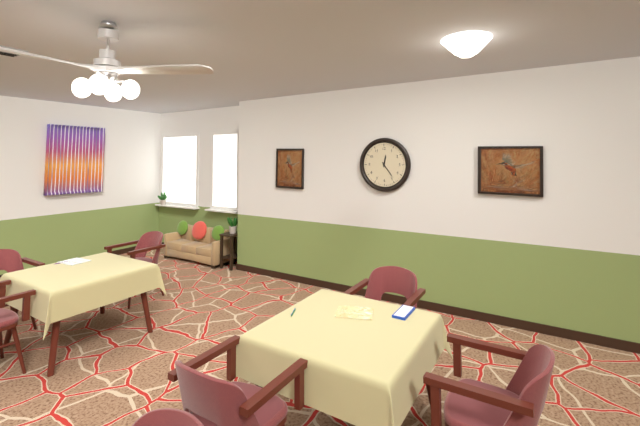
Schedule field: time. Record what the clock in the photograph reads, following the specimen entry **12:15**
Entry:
**12:24**
